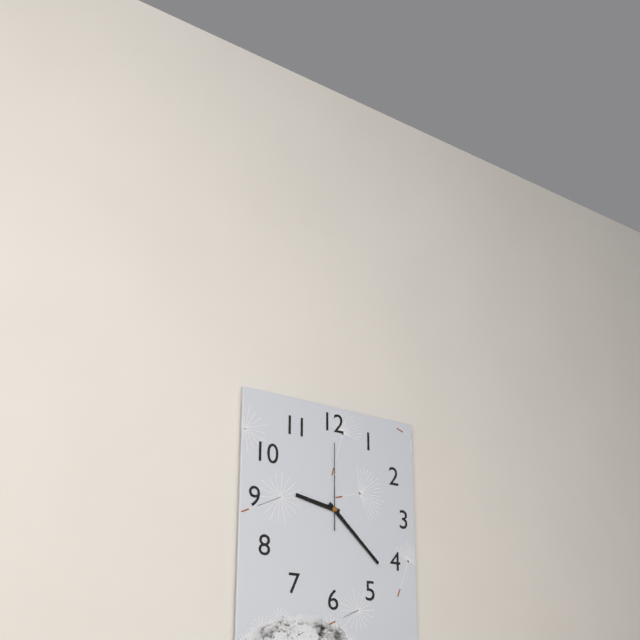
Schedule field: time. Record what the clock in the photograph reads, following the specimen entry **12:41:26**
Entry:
**9:22:00**
